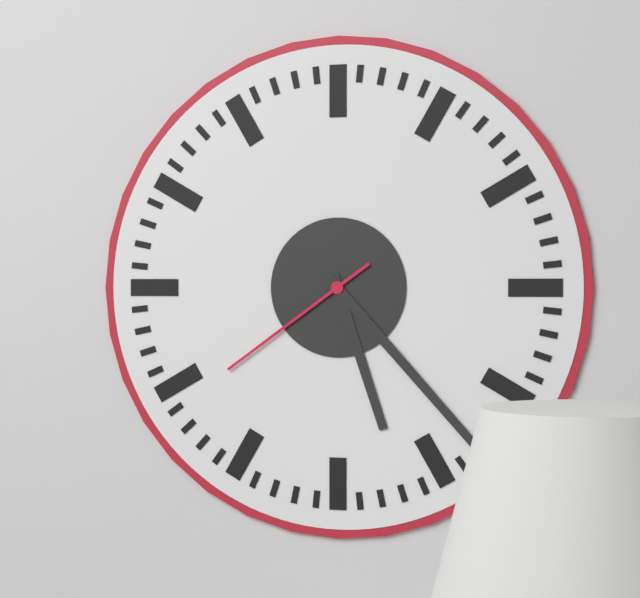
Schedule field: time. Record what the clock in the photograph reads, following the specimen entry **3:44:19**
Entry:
**5:23:39**
